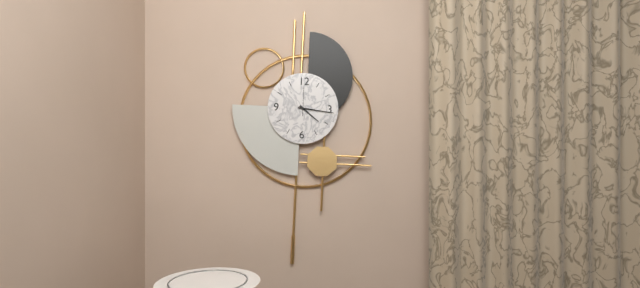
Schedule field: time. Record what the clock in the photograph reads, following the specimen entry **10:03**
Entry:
**4:16**
